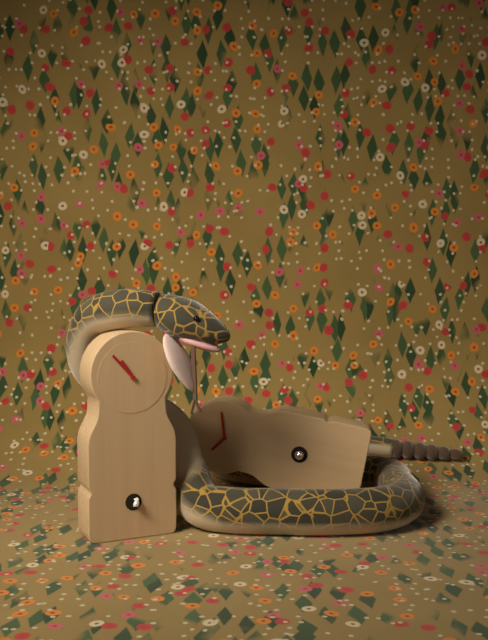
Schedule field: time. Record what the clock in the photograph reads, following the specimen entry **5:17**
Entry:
**10:53**
